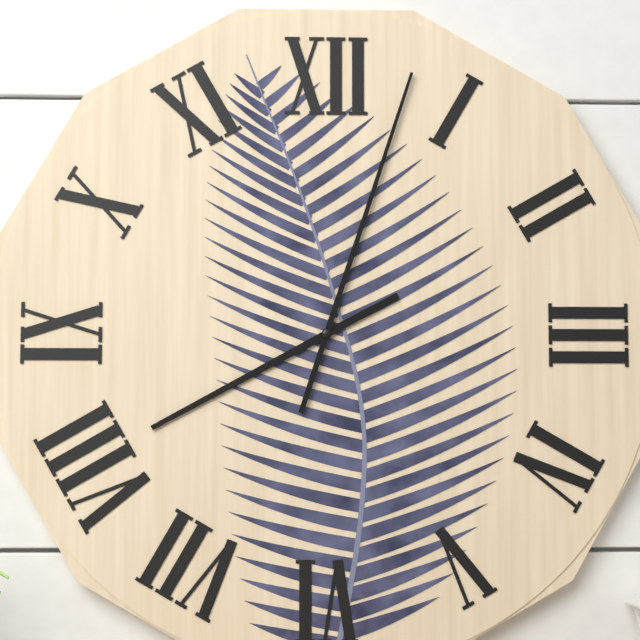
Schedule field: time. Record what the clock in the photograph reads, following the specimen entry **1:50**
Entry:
**8:03**
